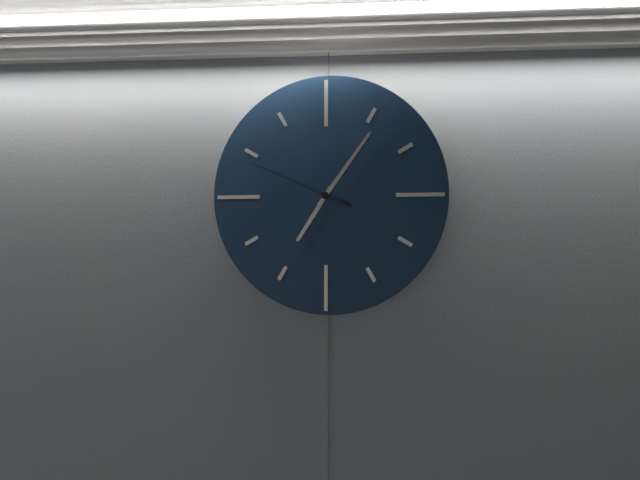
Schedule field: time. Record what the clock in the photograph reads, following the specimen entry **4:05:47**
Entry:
**7:06:49**
